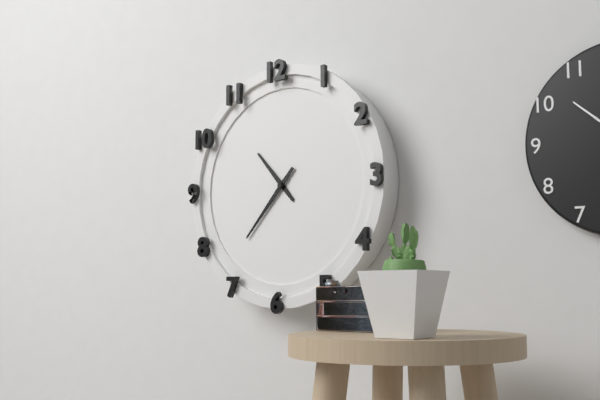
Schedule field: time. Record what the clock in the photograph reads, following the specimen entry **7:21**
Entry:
**10:37**
